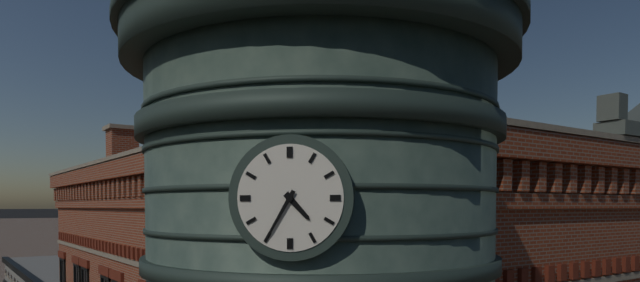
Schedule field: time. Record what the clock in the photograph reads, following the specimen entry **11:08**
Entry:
**4:35**
